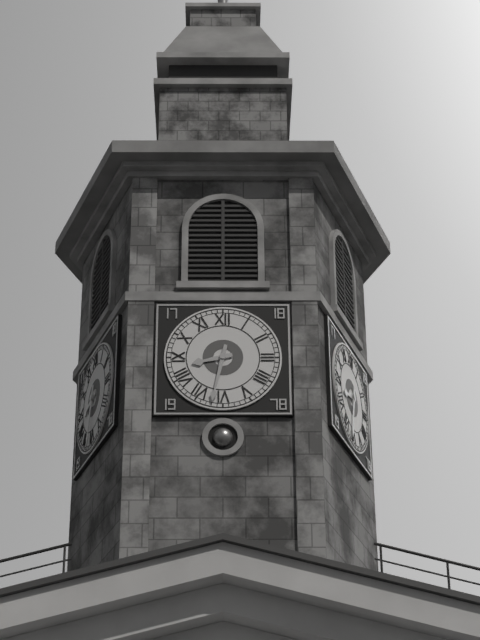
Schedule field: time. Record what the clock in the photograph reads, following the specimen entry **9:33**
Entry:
**8:32**
